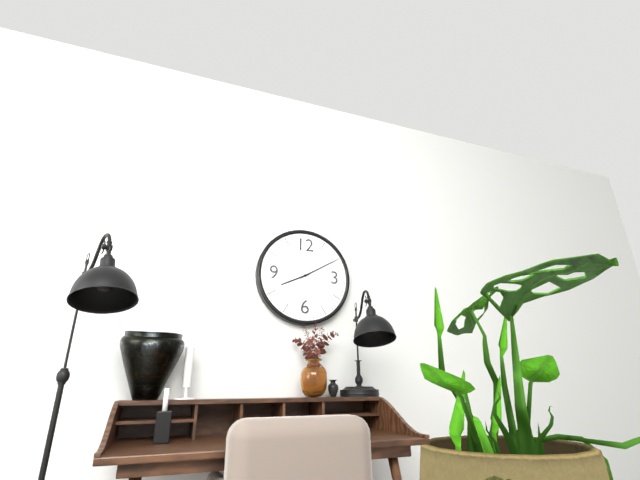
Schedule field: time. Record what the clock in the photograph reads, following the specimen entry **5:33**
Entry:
**8:10**
